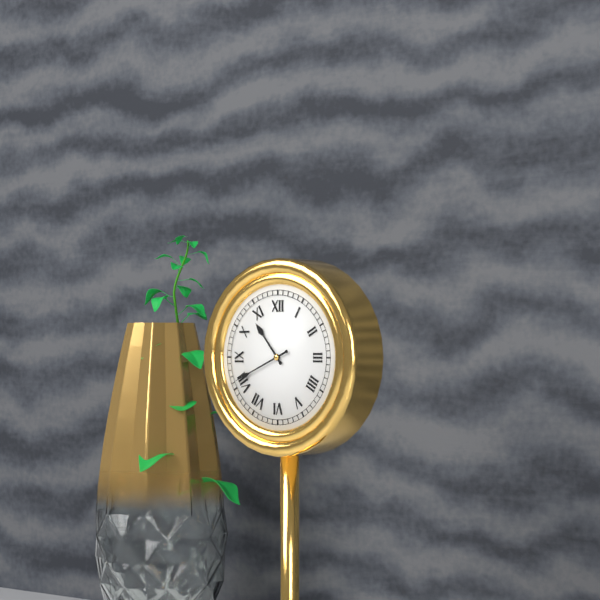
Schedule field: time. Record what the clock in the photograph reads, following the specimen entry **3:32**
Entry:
**10:41**
